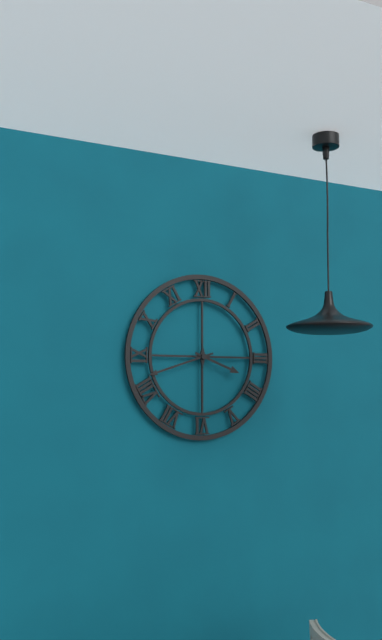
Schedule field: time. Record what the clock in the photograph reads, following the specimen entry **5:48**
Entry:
**3:42**
